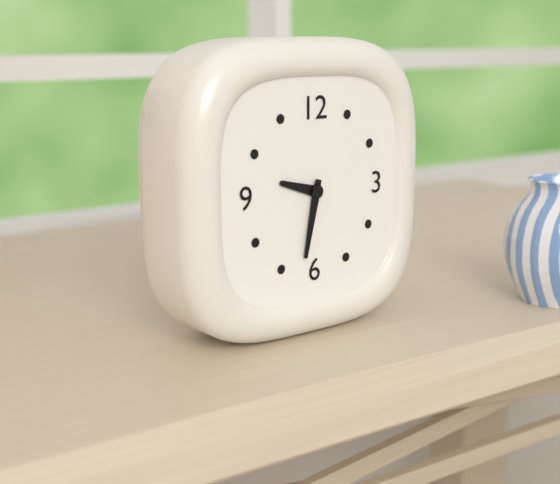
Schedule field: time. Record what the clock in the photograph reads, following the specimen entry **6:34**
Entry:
**9:32**
